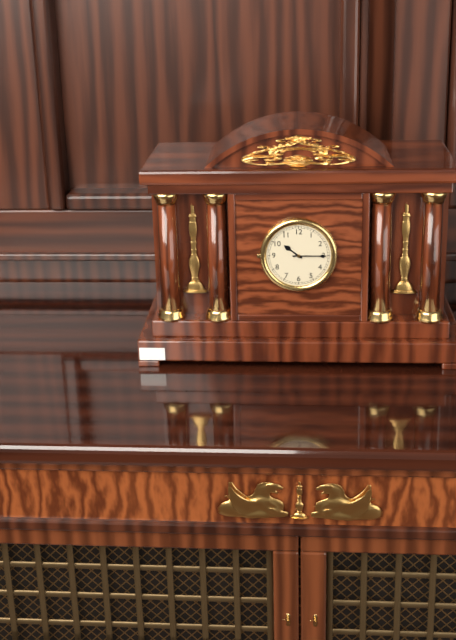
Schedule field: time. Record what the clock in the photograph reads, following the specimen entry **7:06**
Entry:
**10:15**
